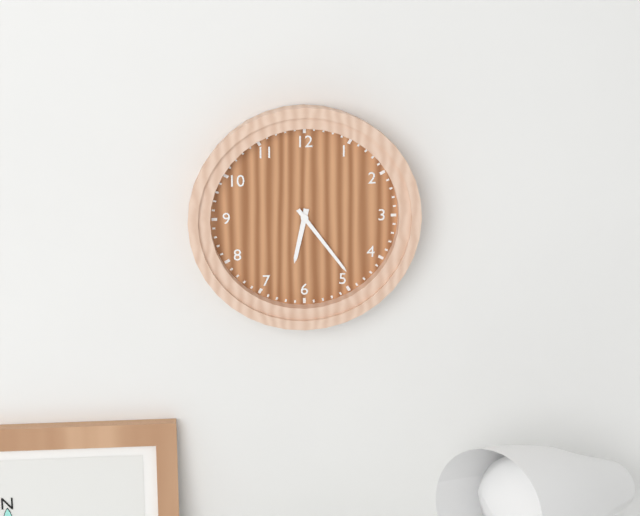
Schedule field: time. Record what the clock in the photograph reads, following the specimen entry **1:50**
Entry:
**6:24**
